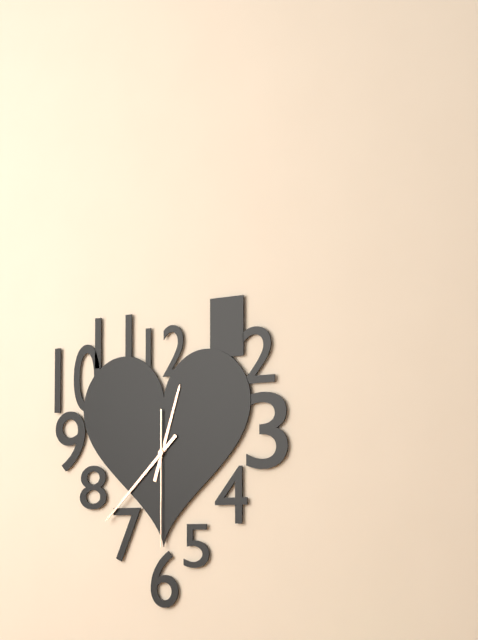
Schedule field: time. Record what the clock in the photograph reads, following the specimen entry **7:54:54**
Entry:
**12:38:30**
